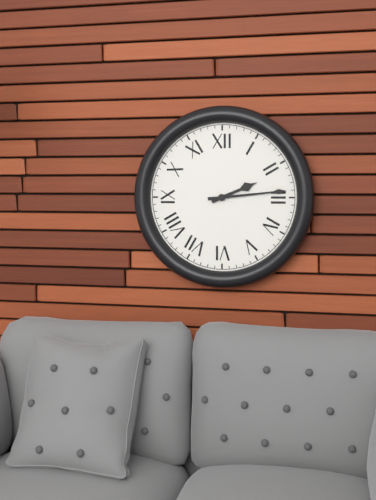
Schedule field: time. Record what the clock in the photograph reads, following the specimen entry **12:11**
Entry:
**2:14**
